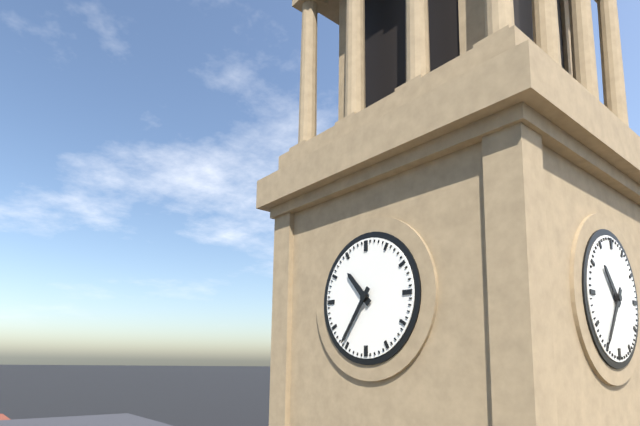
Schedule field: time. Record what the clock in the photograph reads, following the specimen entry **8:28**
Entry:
**10:36**
